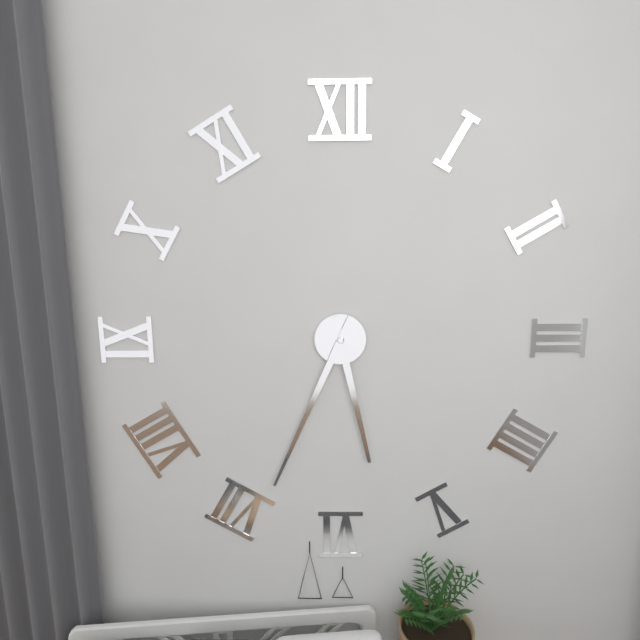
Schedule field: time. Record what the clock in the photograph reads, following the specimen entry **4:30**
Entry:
**5:34**
